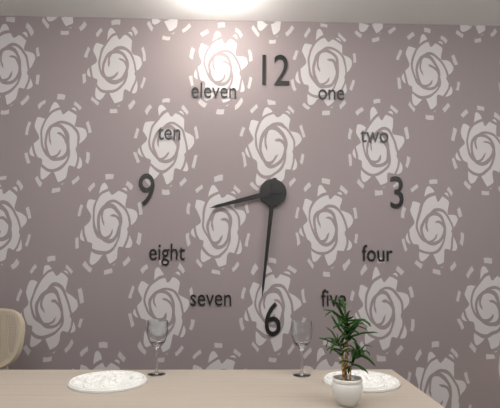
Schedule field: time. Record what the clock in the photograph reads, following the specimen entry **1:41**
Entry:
**8:31**
